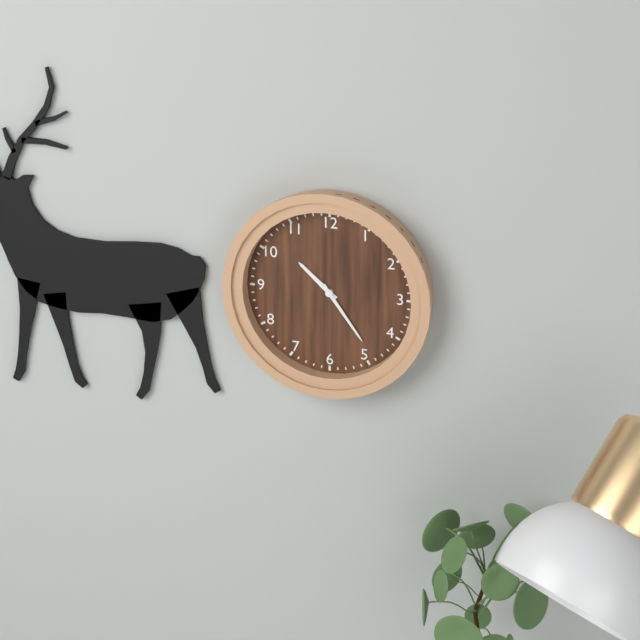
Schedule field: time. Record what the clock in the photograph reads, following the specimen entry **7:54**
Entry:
**10:24**
